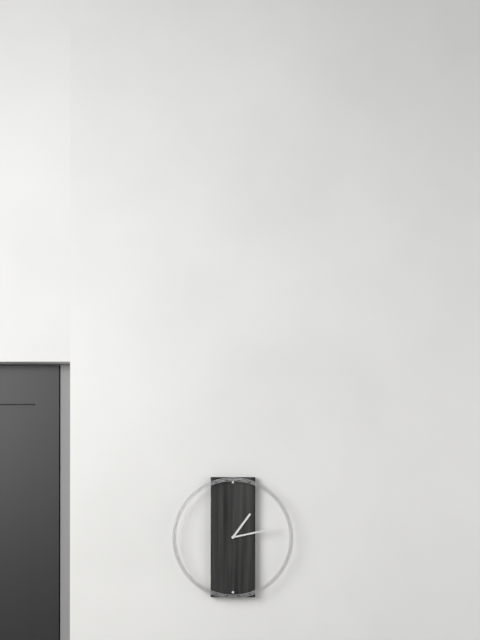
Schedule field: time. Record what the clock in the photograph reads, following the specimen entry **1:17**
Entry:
**1:13**
